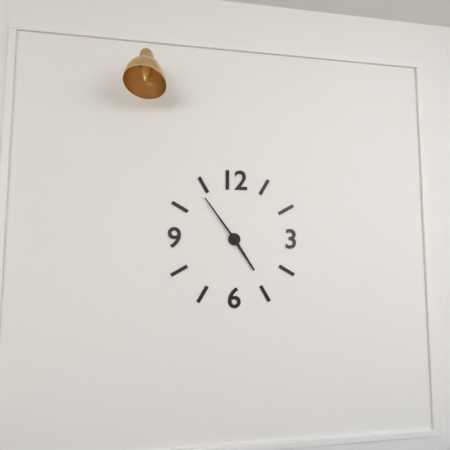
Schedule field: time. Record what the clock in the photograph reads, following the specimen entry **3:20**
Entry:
**4:54**
